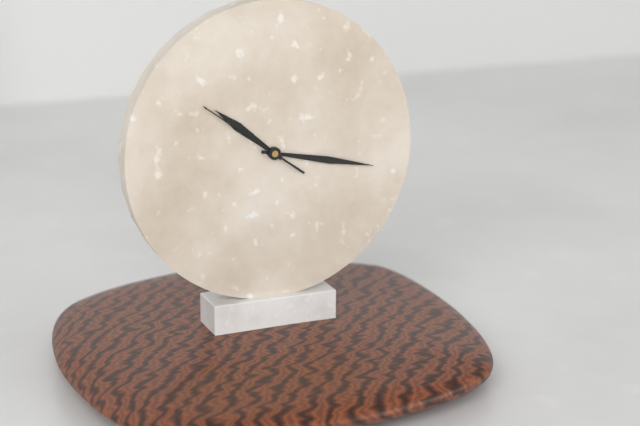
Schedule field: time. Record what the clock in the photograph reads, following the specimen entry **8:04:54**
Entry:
**10:17:51**
